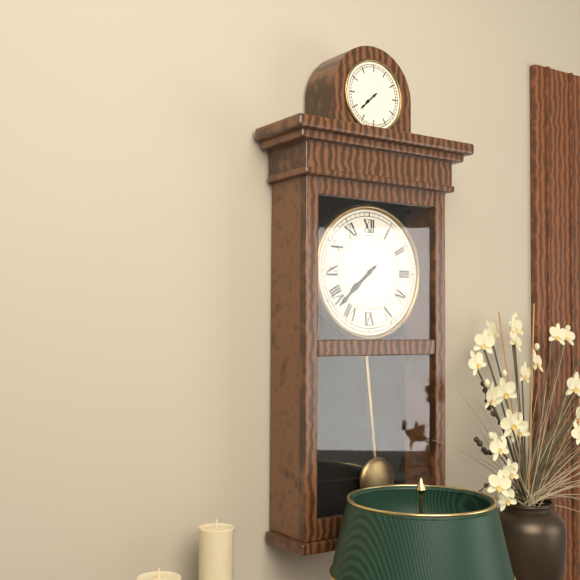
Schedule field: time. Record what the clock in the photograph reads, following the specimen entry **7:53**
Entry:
**7:38**
